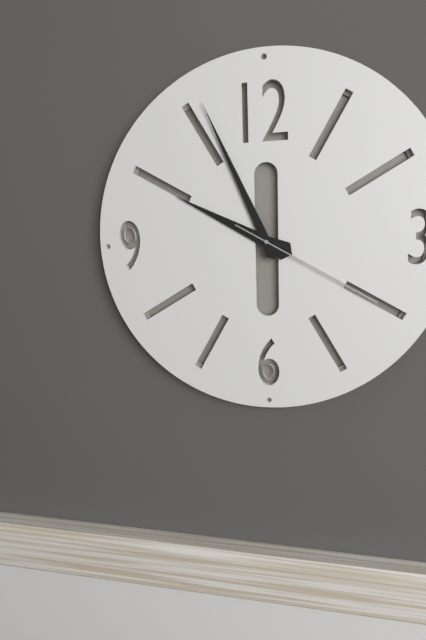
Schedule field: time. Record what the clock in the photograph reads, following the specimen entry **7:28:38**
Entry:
**9:56:20**
